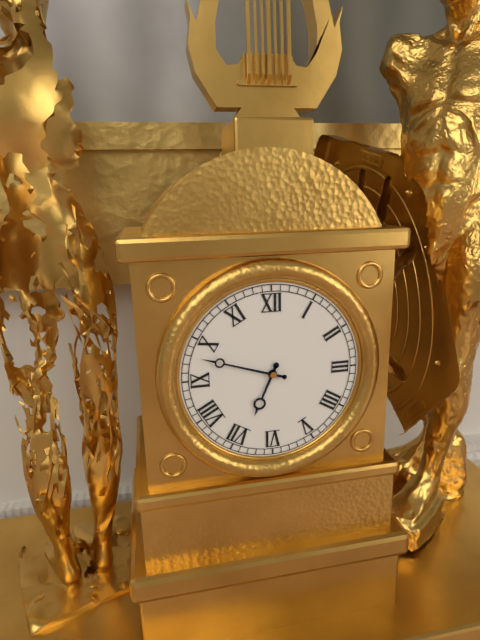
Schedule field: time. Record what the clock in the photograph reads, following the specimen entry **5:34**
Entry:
**6:48**
